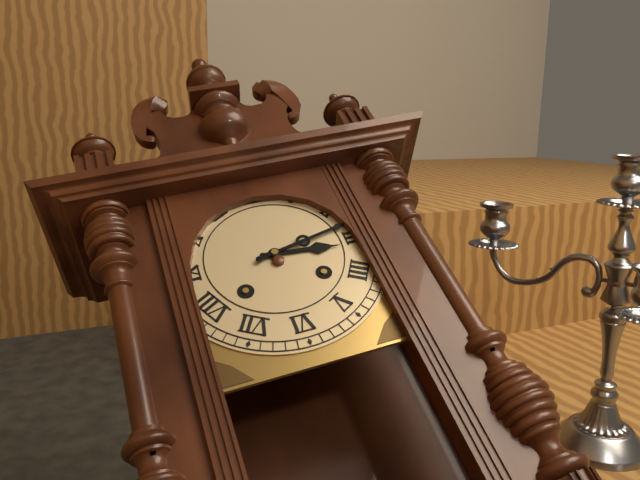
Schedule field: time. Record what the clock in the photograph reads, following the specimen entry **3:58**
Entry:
**3:13**
